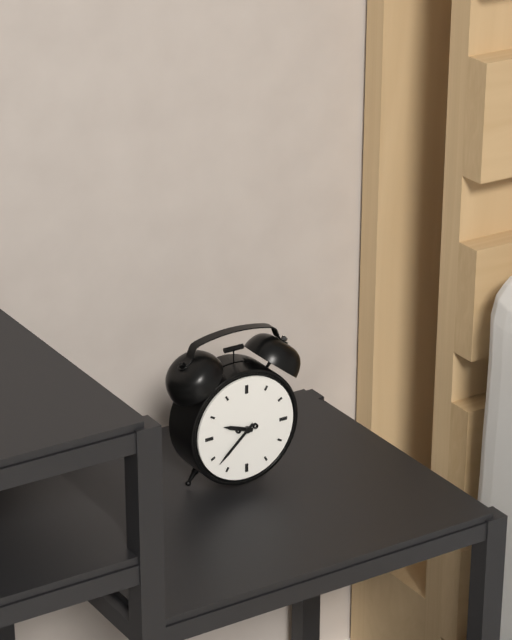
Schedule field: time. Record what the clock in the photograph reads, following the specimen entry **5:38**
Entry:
**9:38**
